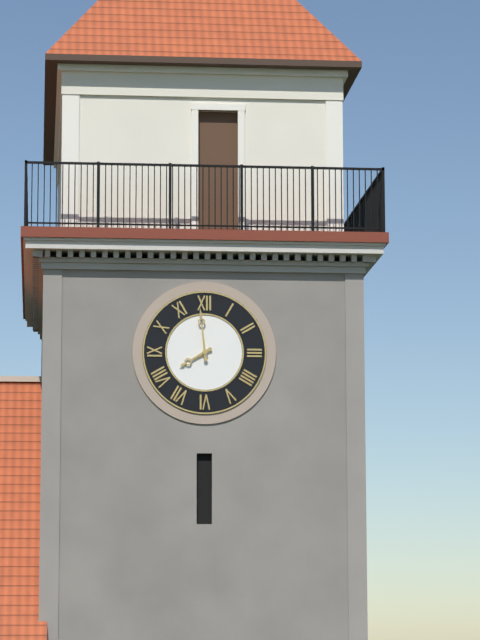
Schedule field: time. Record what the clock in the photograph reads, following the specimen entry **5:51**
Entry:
**7:59**
